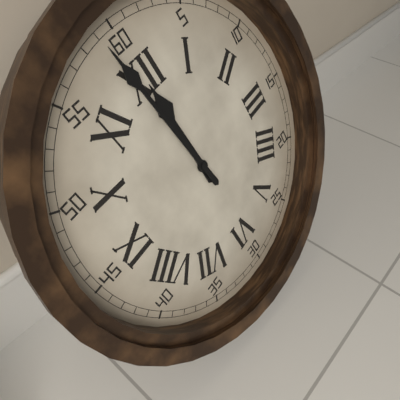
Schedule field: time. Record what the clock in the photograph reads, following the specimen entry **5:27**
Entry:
**11:59**
